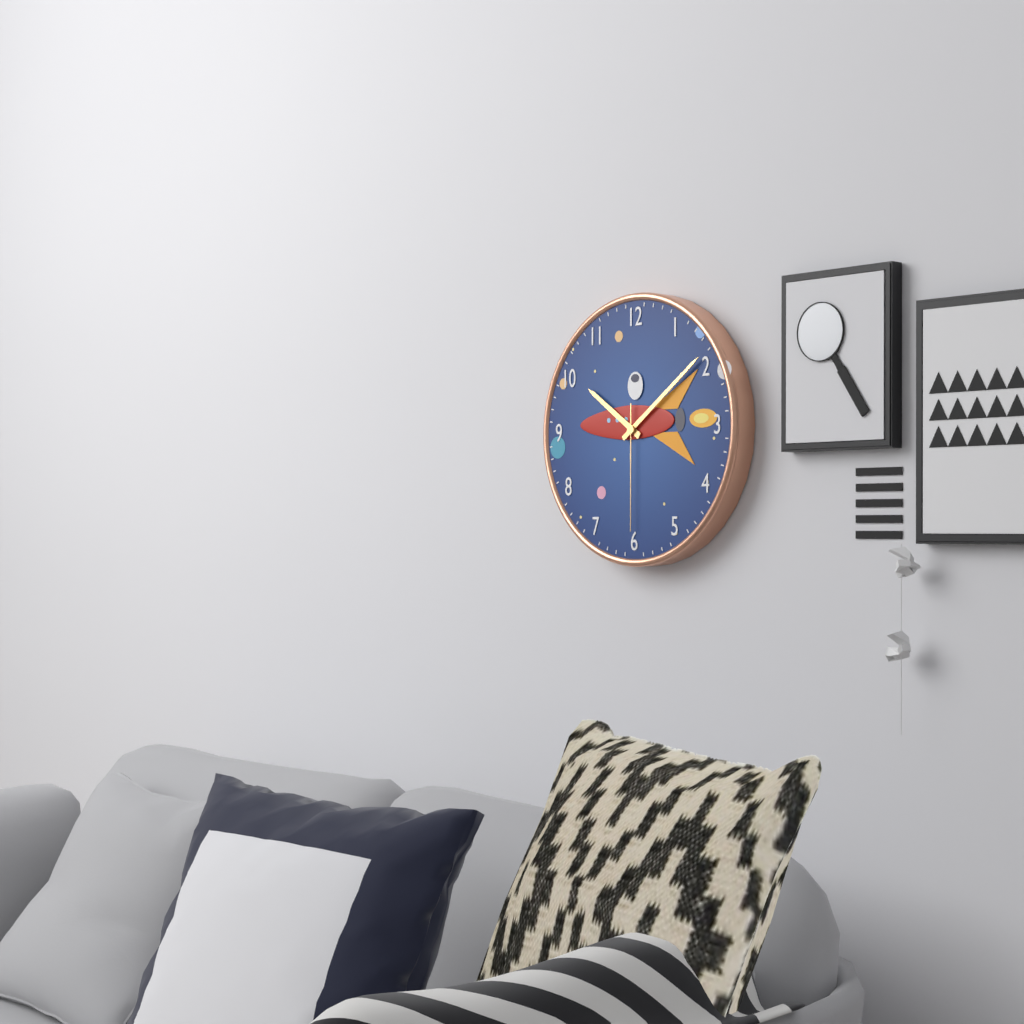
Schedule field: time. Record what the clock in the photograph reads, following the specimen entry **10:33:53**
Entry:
**10:09:30**
